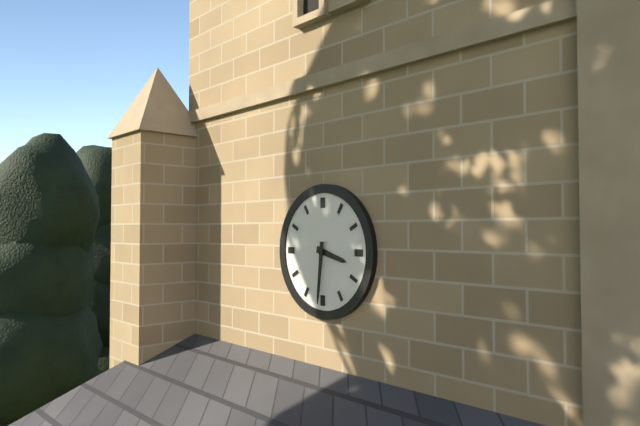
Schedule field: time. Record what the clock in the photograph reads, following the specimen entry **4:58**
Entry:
**3:31**
